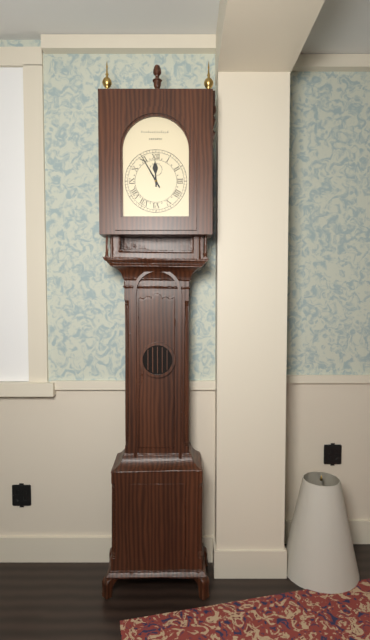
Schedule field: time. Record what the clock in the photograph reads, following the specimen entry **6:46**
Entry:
**11:55**
